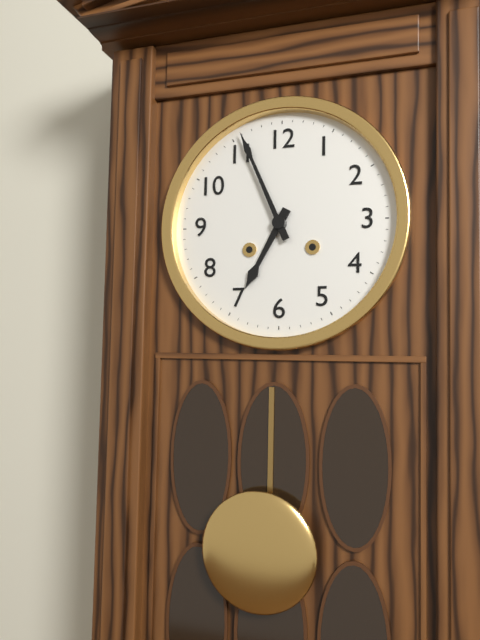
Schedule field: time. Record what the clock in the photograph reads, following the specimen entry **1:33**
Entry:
**6:56**
